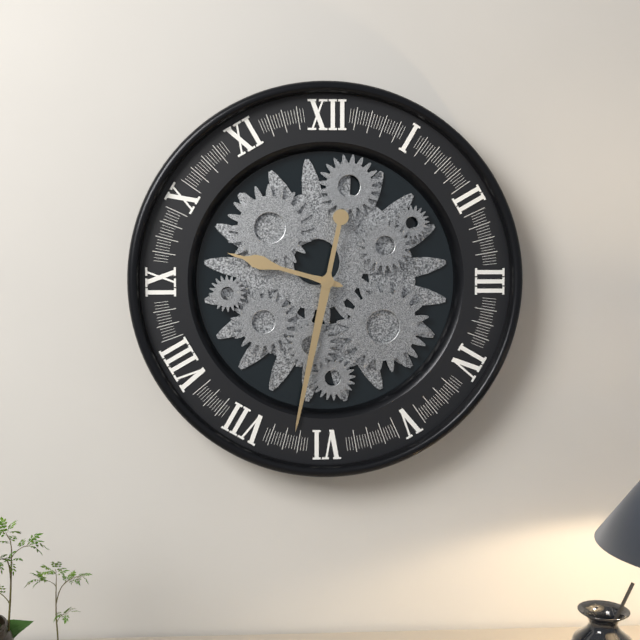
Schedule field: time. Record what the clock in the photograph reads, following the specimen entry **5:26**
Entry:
**9:32**
